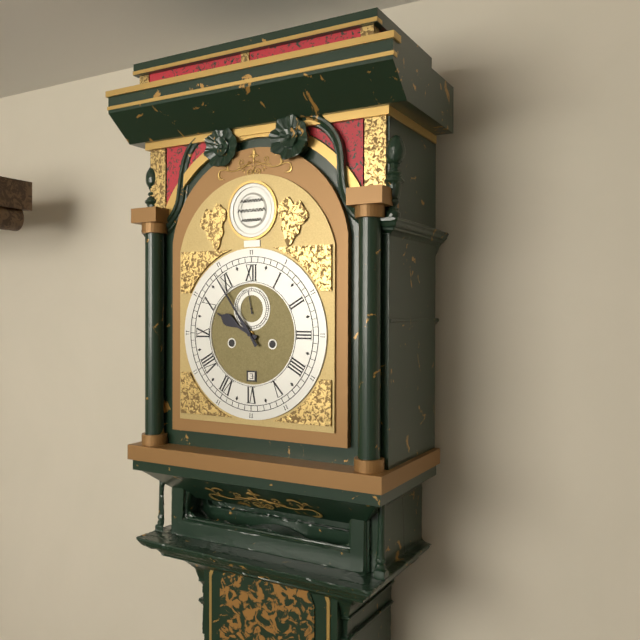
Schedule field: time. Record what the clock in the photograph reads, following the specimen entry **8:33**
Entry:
**9:54**
